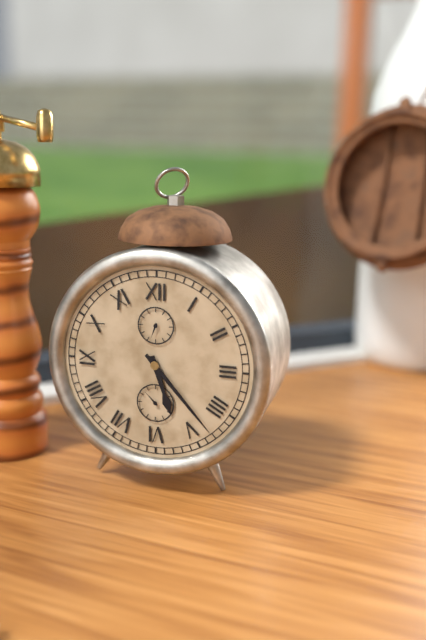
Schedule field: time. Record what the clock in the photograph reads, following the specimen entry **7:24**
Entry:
**5:23**
